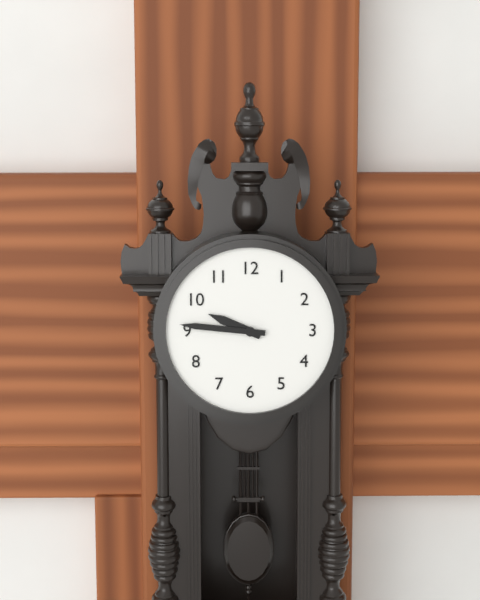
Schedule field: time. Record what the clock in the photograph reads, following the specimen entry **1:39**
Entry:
**9:46**
